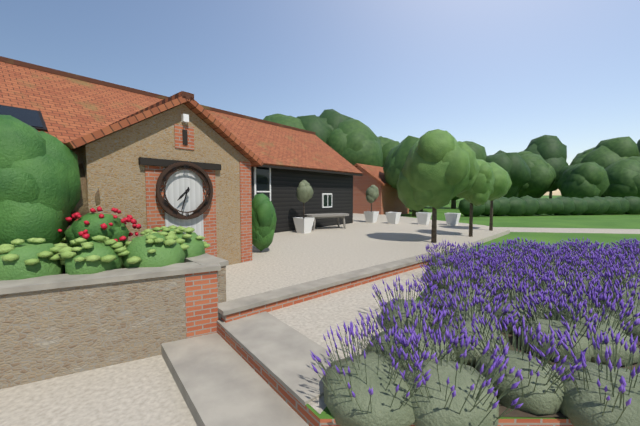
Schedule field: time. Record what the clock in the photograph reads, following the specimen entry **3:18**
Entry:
**7:33**
